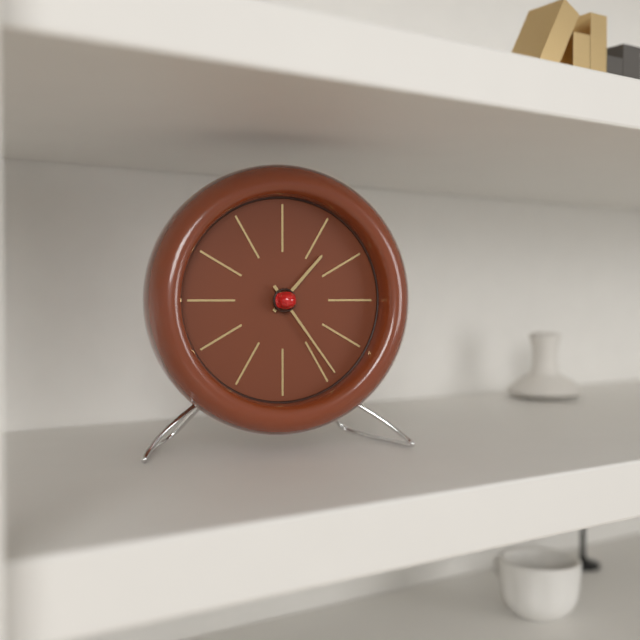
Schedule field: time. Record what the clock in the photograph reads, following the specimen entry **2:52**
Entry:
**1:24**
